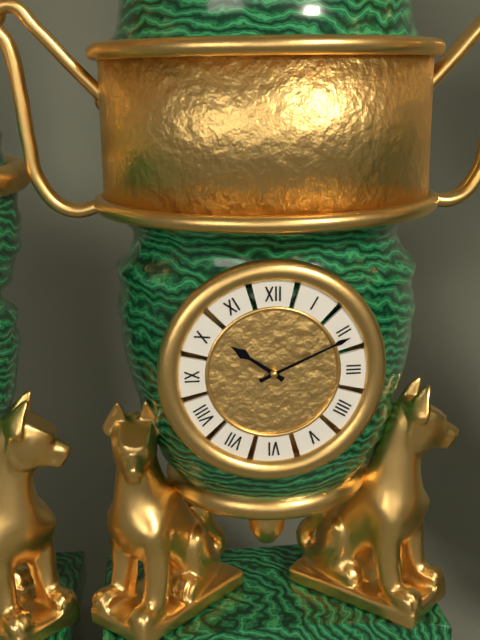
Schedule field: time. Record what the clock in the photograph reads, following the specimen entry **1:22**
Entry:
**10:11**
